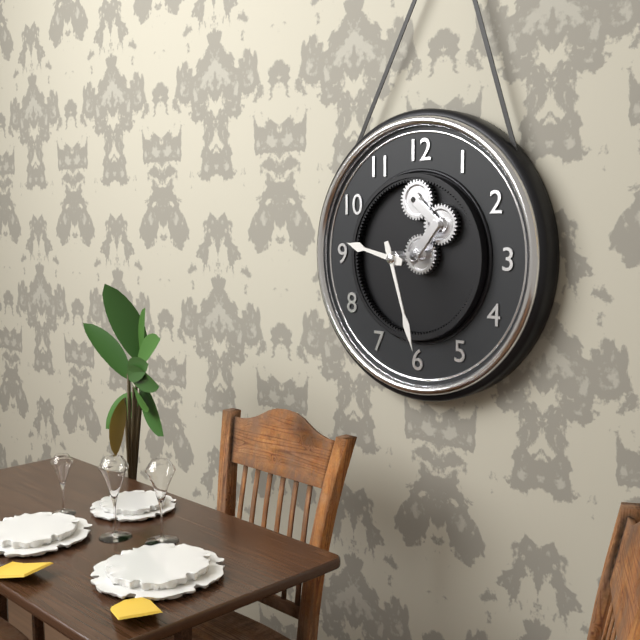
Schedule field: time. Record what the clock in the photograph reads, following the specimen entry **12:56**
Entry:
**9:27**
